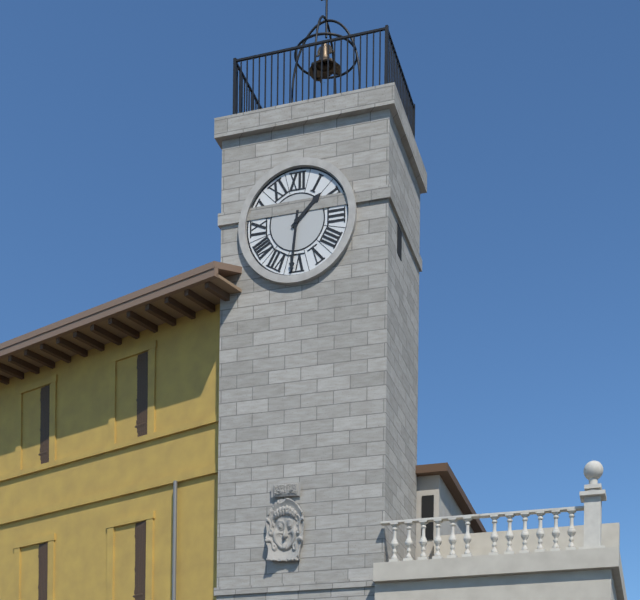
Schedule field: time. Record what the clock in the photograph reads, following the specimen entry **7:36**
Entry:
**1:31**
